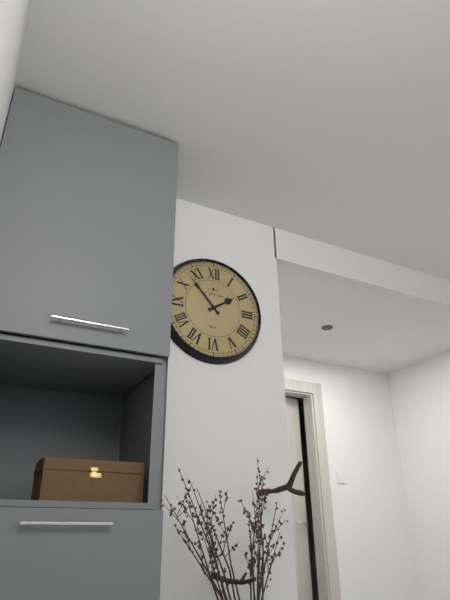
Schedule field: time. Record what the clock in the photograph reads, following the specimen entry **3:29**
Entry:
**1:53**
